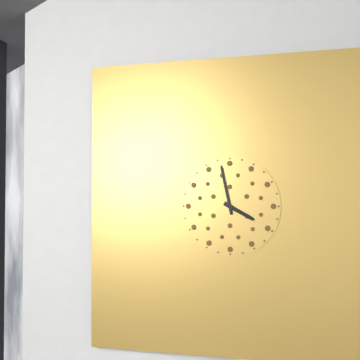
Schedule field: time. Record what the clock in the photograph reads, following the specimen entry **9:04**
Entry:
**3:58**
